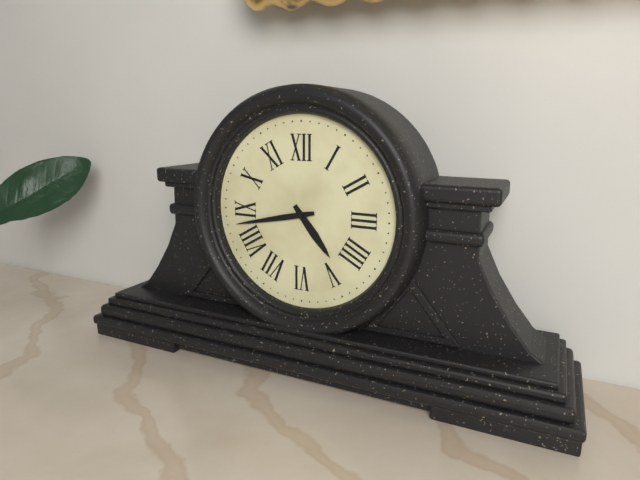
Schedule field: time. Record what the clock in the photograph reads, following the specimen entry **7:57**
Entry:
**4:43**
